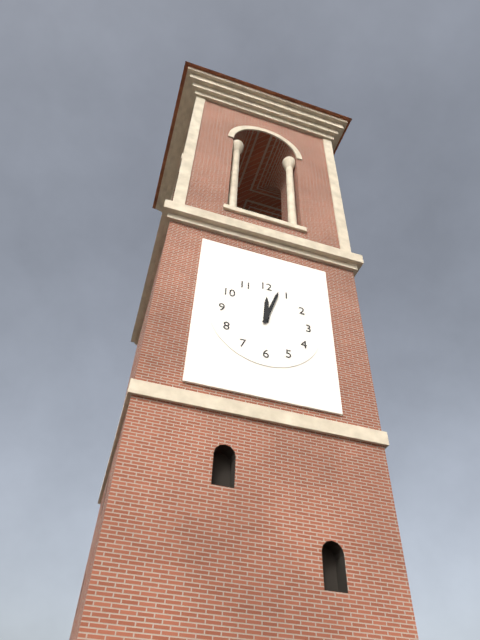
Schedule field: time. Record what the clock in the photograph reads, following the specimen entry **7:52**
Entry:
**12:03**
